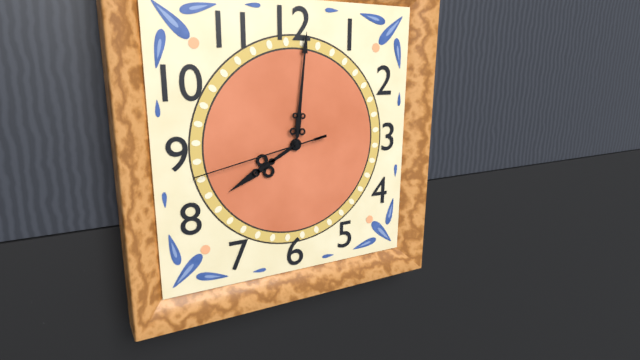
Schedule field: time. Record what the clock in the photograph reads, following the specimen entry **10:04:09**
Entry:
**8:01:43**
